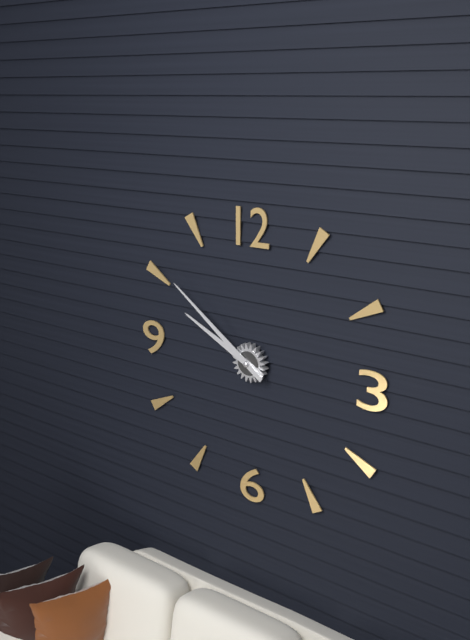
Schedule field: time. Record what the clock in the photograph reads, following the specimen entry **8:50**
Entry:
**9:51**
